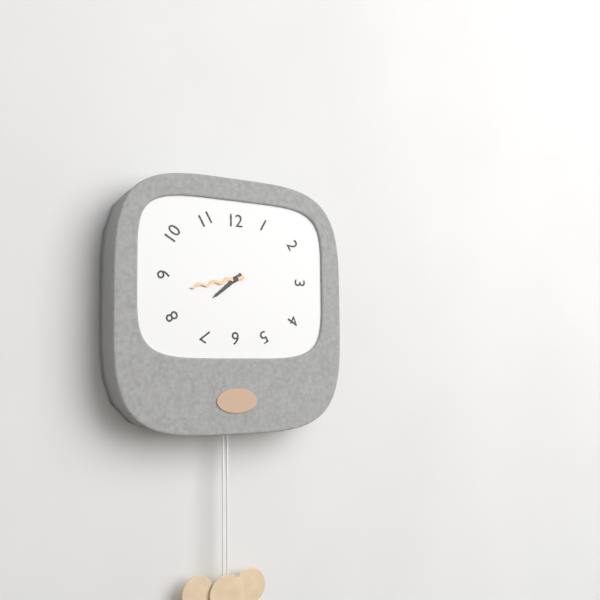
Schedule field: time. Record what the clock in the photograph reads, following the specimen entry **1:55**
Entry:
**7:43**
